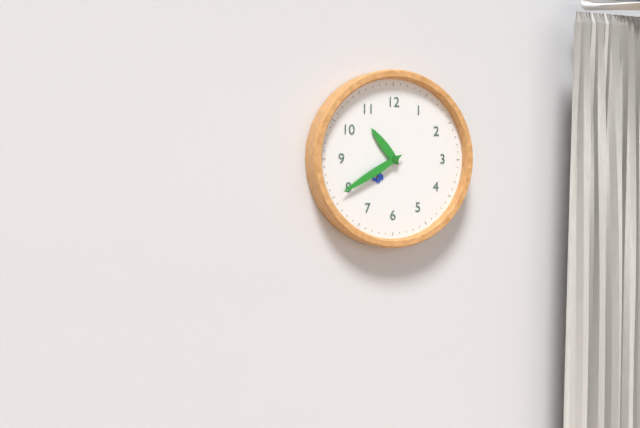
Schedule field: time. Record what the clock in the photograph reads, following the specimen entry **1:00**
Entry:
**10:40**
